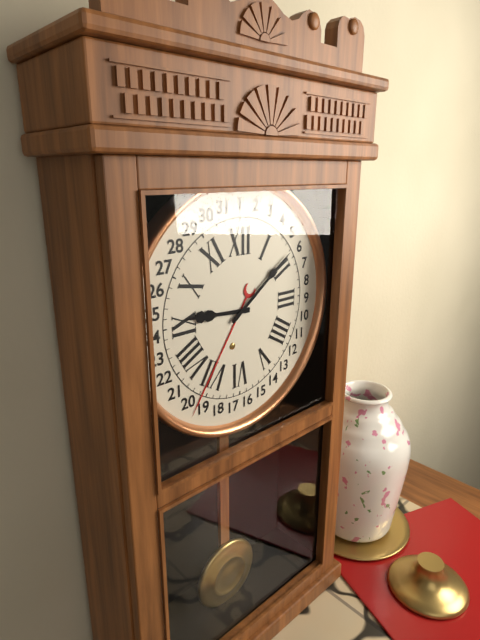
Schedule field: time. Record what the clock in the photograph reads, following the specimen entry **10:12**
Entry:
**9:09**
